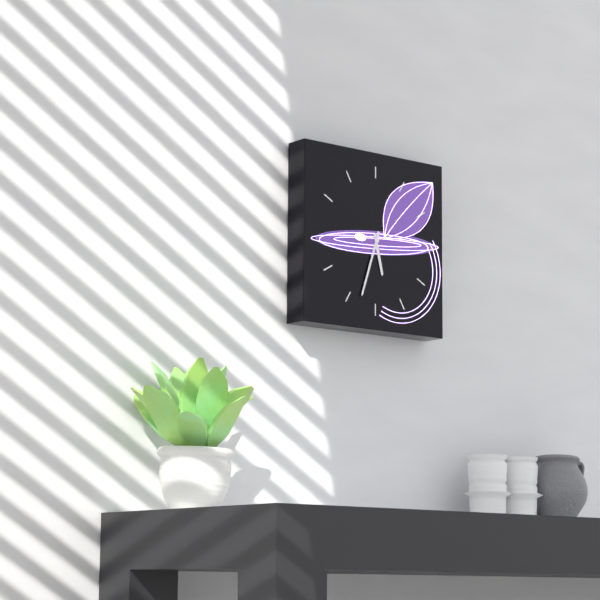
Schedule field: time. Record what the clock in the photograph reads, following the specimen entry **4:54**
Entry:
**5:33**
